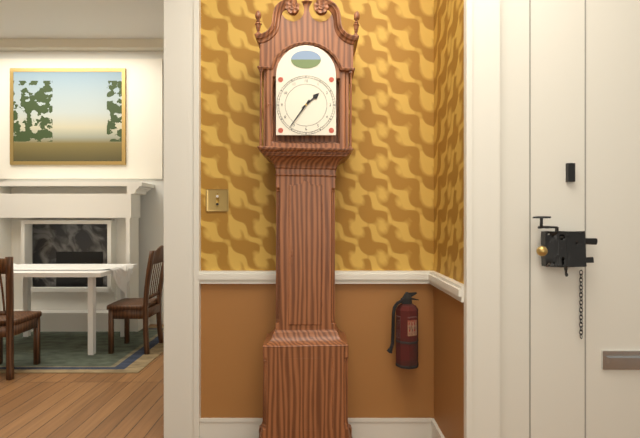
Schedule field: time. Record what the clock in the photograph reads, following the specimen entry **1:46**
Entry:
**1:36**
